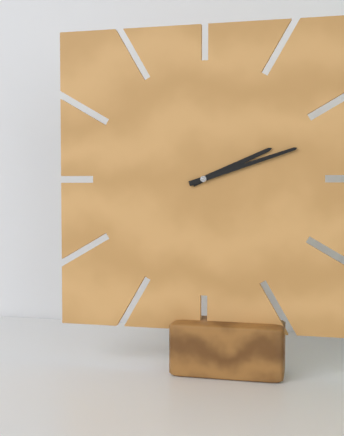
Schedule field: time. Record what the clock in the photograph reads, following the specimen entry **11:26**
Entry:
**2:12**
